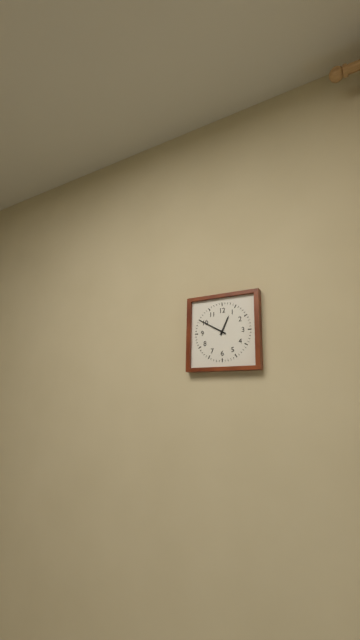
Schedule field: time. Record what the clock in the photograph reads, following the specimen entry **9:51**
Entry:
**12:50**
